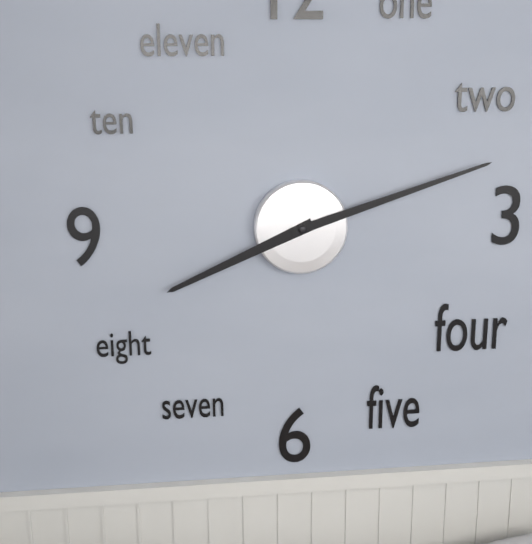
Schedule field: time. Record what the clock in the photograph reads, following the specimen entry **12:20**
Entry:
**8:12**
